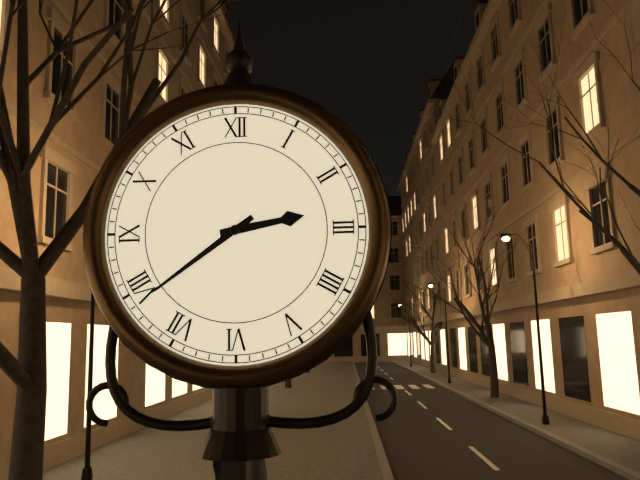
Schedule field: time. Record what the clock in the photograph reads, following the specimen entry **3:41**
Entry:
**2:39**
